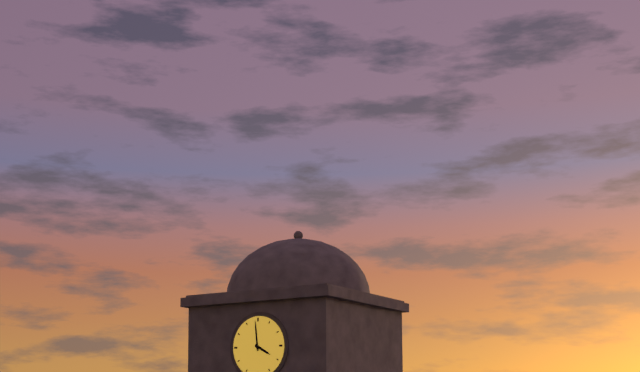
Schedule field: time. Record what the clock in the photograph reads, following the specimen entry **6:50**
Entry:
**3:59**
